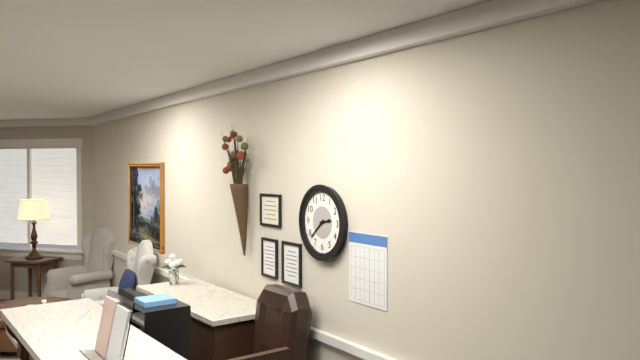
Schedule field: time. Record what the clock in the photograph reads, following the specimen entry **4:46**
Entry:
**2:38**
